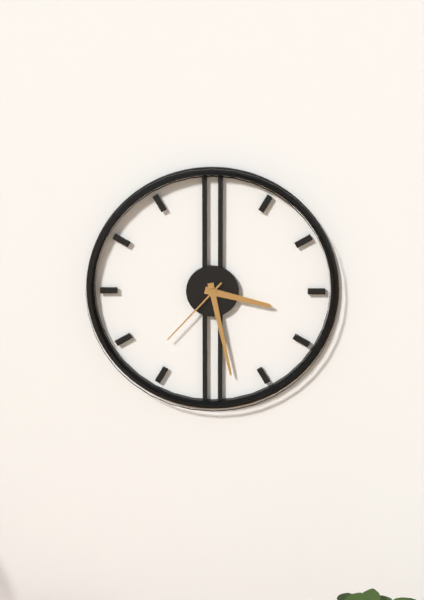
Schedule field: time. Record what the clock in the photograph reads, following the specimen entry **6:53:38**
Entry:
**3:28:37**
